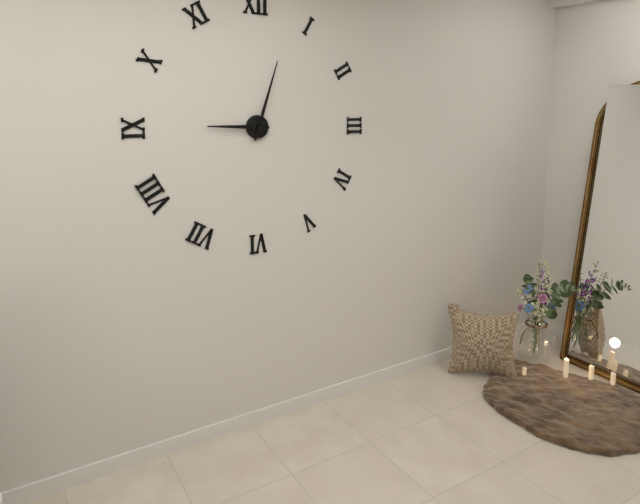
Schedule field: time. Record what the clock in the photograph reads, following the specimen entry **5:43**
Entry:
**9:03**
